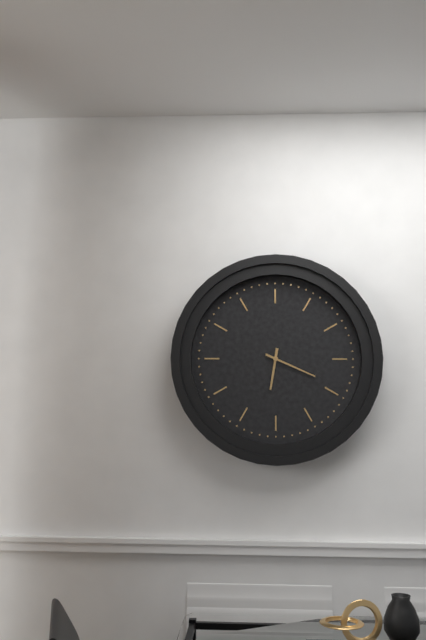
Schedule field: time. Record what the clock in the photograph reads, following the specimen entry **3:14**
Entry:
**6:19**
